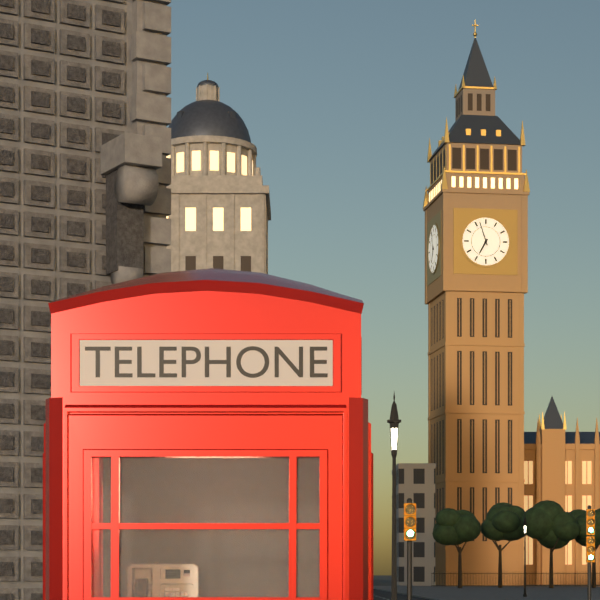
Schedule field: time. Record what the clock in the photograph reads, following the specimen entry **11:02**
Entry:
**6:57**
